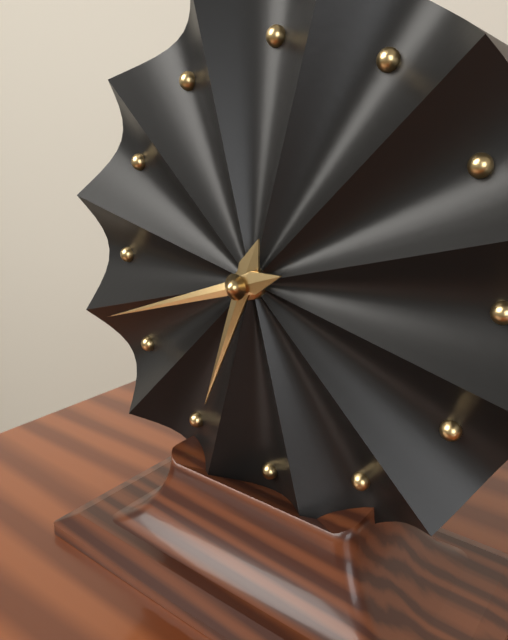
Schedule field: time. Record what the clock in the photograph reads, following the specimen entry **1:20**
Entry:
**6:42**
